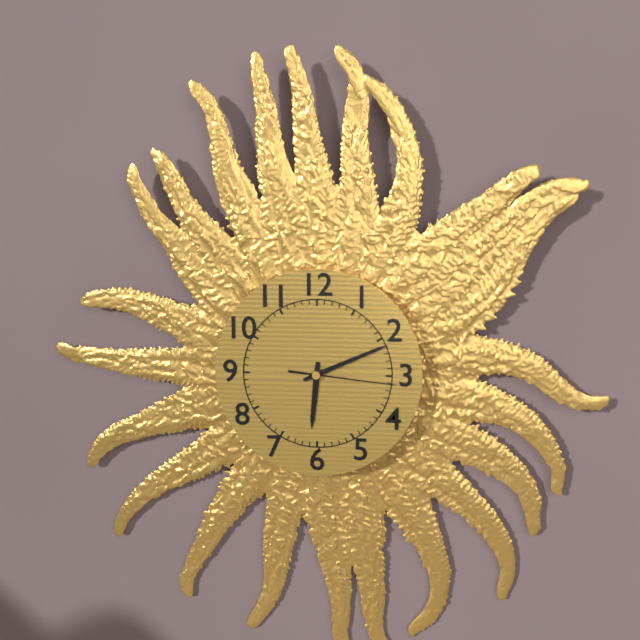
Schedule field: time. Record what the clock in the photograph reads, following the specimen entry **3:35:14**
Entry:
**6:11:16**
